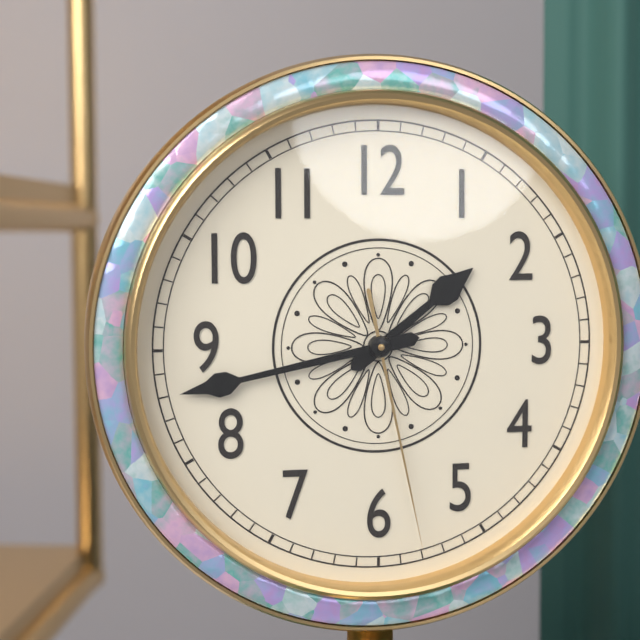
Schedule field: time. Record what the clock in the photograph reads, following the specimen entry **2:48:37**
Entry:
**1:43:28**
